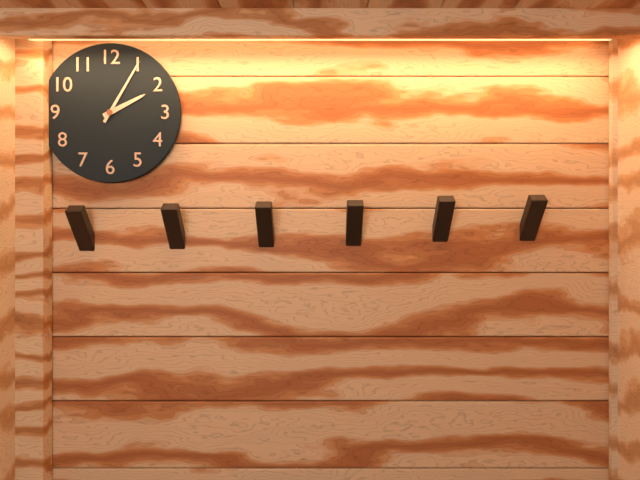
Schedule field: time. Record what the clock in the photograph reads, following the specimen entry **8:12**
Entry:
**2:05**
